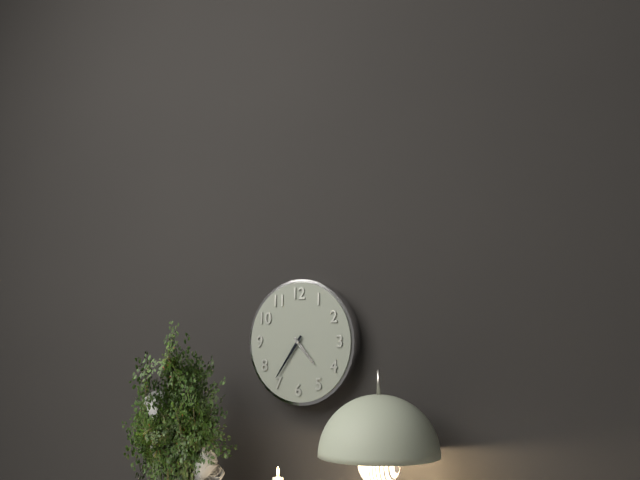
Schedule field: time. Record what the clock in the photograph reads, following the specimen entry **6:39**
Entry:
**4:36**
